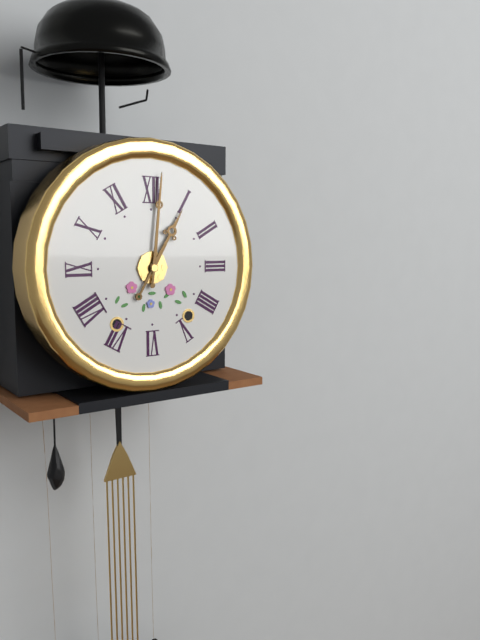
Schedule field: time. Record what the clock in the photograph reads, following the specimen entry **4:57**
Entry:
**1:01**
